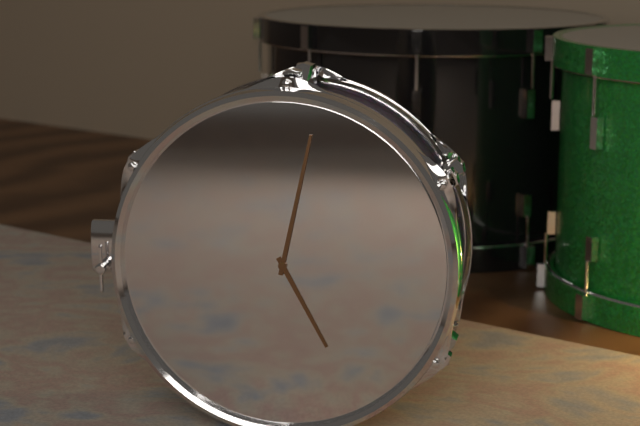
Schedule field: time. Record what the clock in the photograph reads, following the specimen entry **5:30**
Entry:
**5:02**
